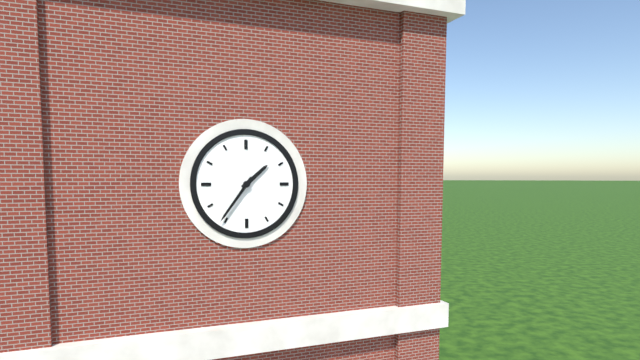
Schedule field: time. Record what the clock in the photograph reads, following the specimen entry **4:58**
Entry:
**1:36**
